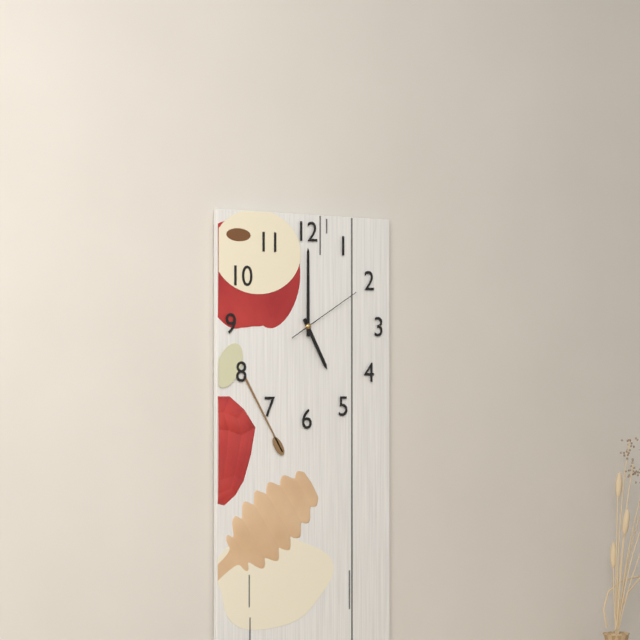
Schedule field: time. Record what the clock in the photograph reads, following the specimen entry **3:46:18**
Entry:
**5:00:10**
